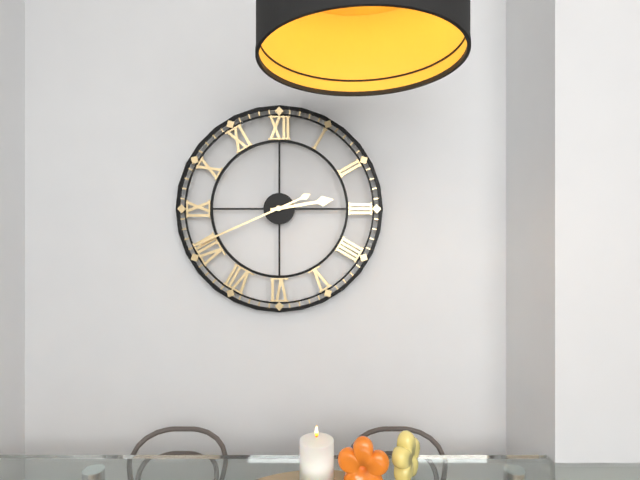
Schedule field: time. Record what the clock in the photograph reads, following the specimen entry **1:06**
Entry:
**2:41**
